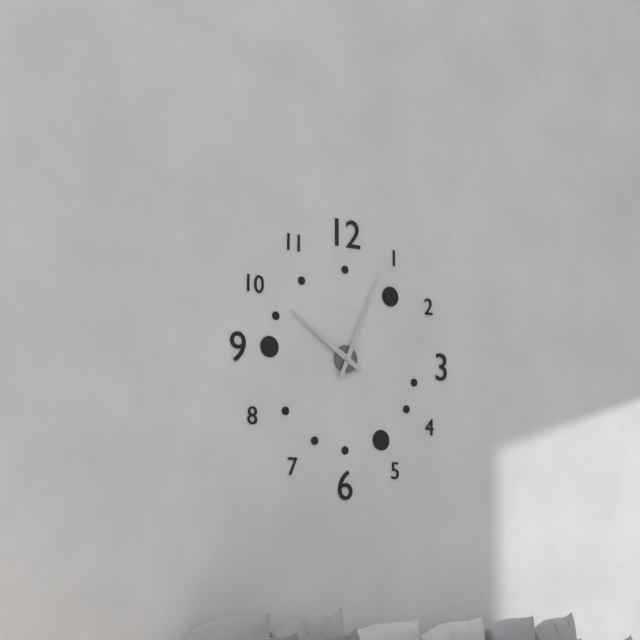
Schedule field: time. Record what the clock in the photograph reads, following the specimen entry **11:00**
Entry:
**10:04**
